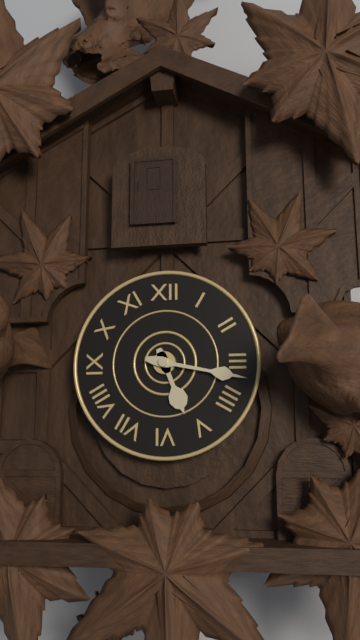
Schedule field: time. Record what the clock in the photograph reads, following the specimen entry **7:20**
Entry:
**5:17**
